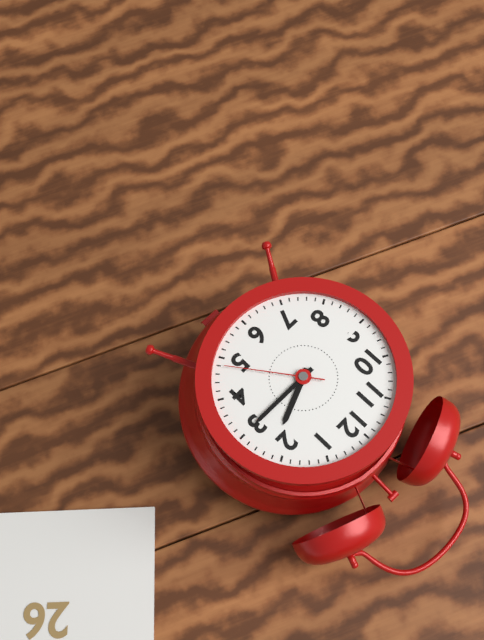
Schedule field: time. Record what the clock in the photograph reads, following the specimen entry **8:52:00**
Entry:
**2:15:24**
